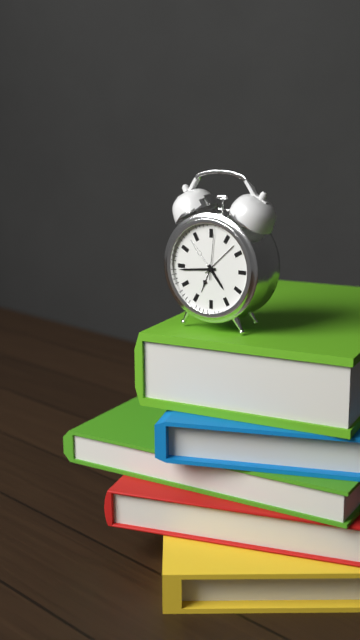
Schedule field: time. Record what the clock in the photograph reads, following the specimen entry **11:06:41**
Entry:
**4:44:01**
